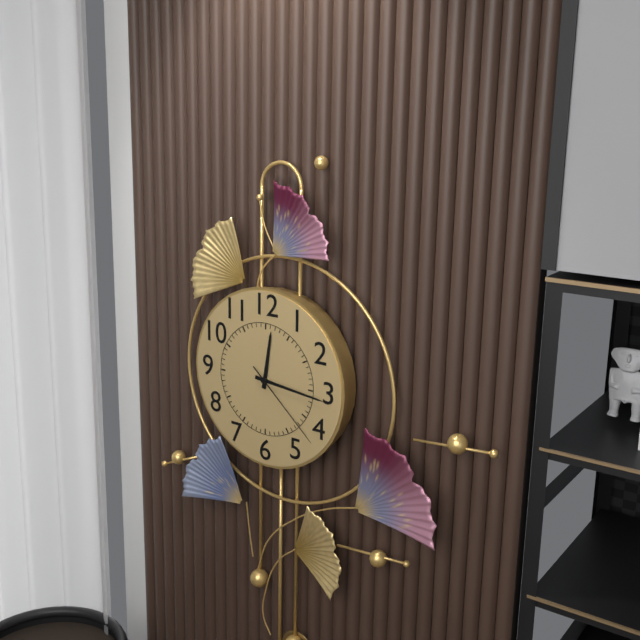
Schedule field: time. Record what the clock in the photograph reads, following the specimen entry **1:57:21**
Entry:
**12:16:22**
